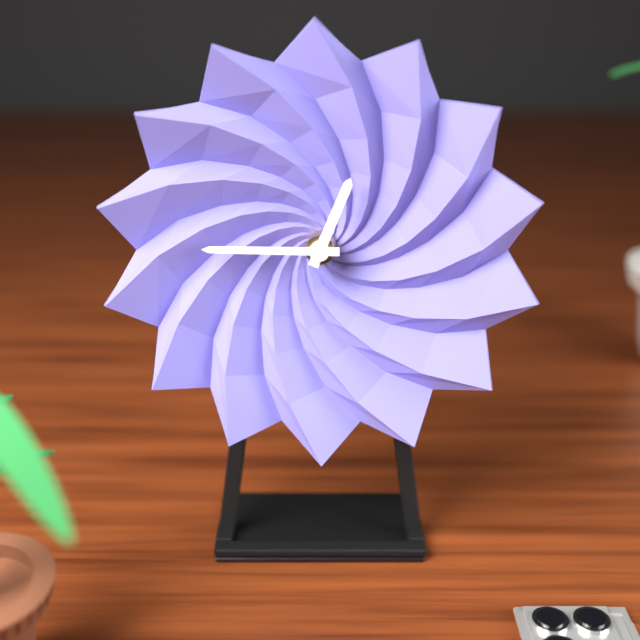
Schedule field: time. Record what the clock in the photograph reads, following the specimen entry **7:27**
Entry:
**12:45**
